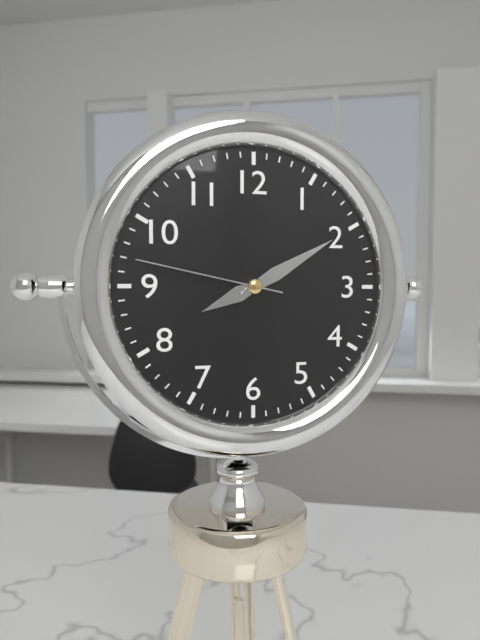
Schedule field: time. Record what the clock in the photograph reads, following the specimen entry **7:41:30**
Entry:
**8:10:47**
